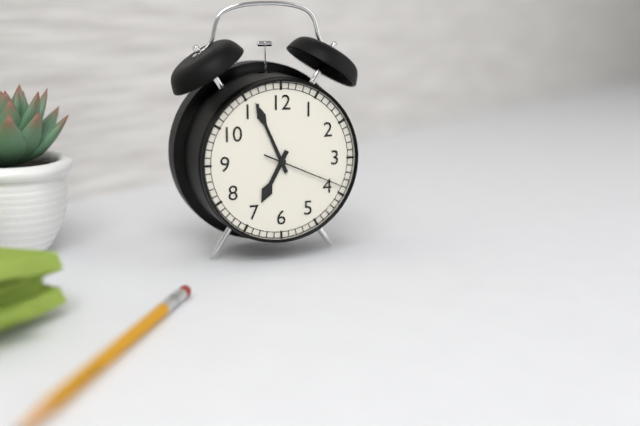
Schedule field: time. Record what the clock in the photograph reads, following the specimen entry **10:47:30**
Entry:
**6:56:19**
